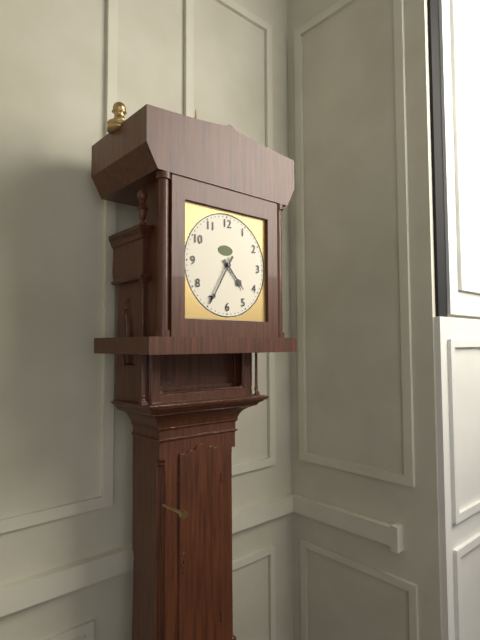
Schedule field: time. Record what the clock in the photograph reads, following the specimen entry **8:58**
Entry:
**4:35**
